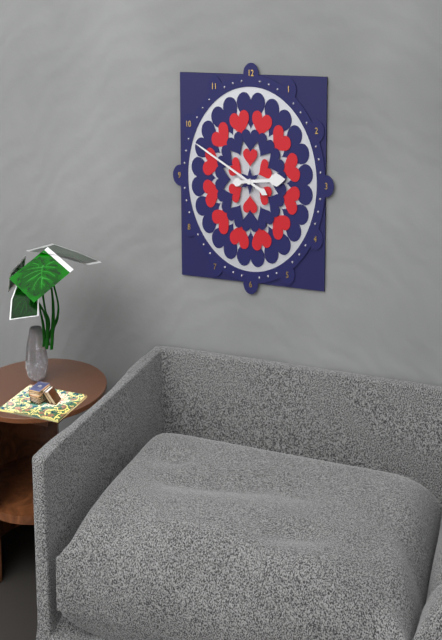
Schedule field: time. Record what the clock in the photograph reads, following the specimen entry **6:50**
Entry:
**2:49**
